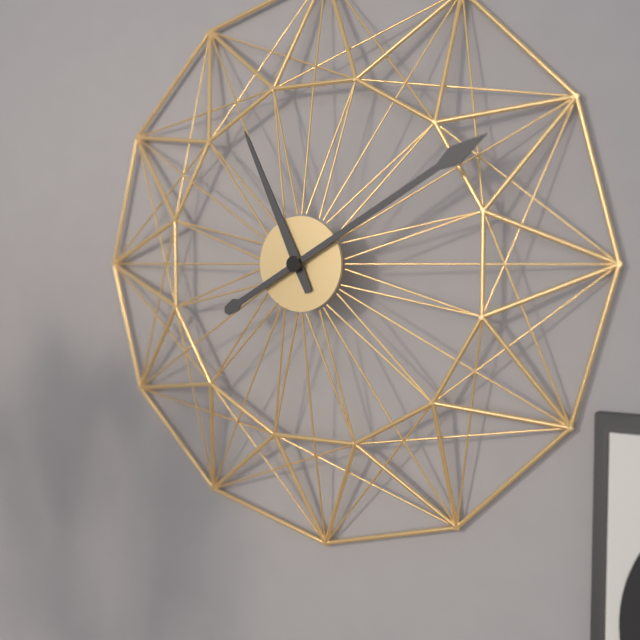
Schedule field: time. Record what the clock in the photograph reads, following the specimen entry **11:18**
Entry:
**11:10**
